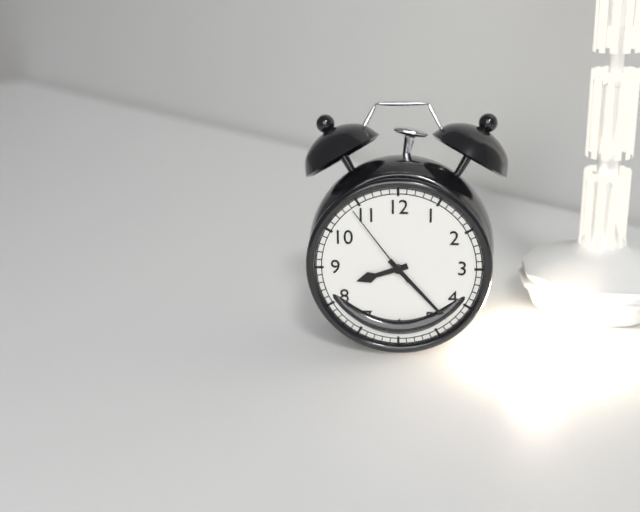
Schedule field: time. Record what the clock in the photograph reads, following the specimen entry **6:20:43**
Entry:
**8:23:54**
